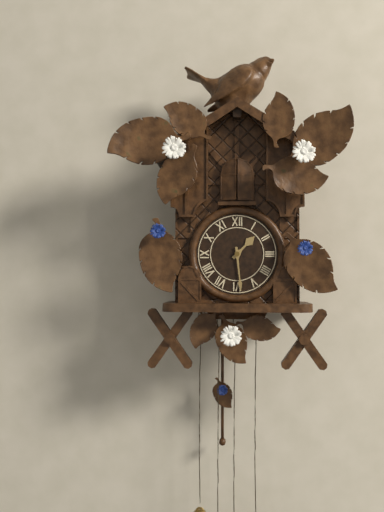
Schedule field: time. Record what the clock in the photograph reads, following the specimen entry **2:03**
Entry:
**1:29**
